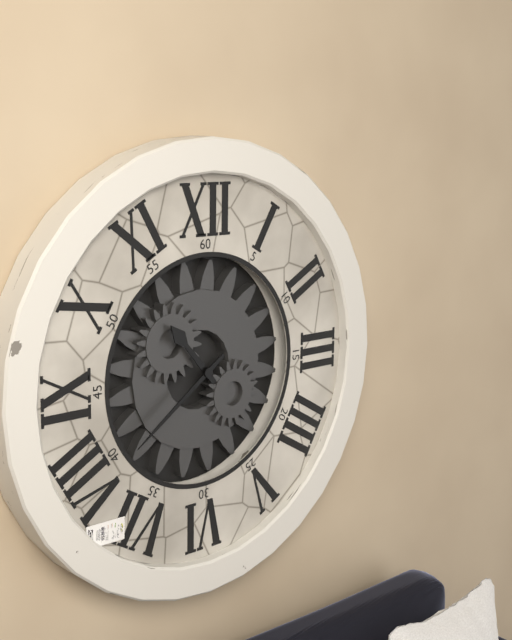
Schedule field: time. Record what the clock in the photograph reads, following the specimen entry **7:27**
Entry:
**10:39**
